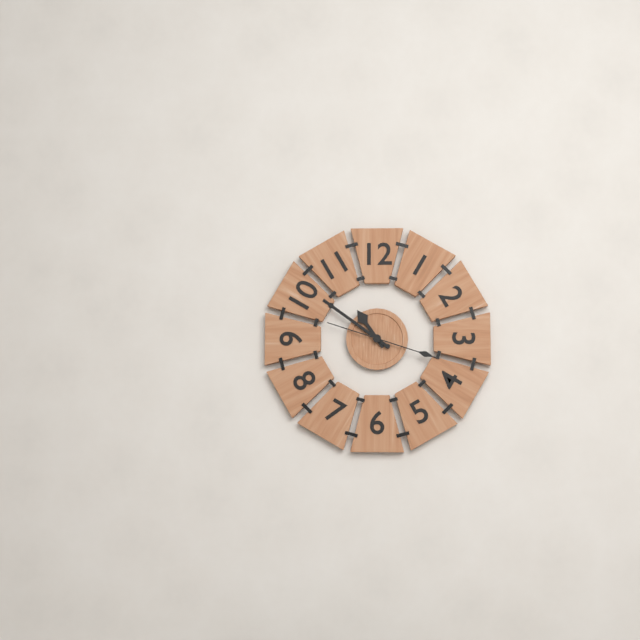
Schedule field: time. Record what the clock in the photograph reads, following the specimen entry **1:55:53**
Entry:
**10:51:18**
